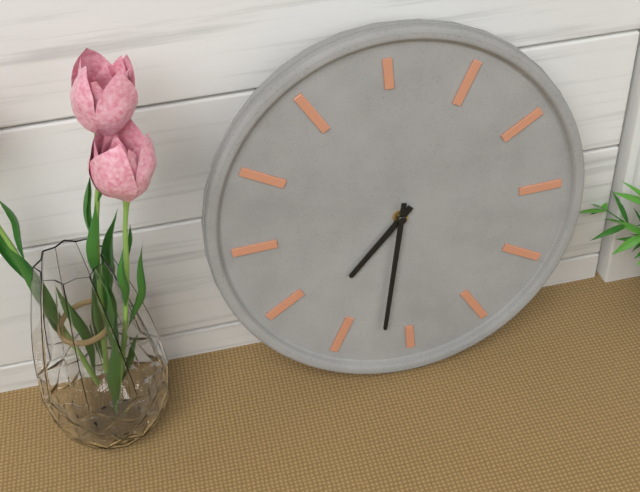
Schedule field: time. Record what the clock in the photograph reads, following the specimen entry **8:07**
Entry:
**7:32**
